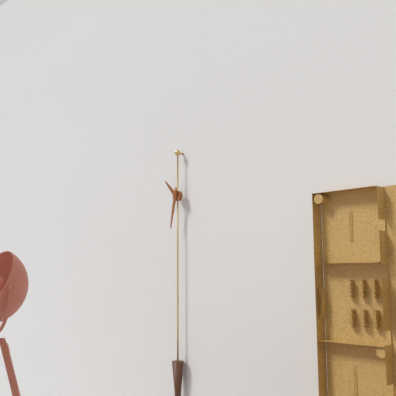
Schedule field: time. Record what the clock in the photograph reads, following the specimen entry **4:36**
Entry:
**10:32**
